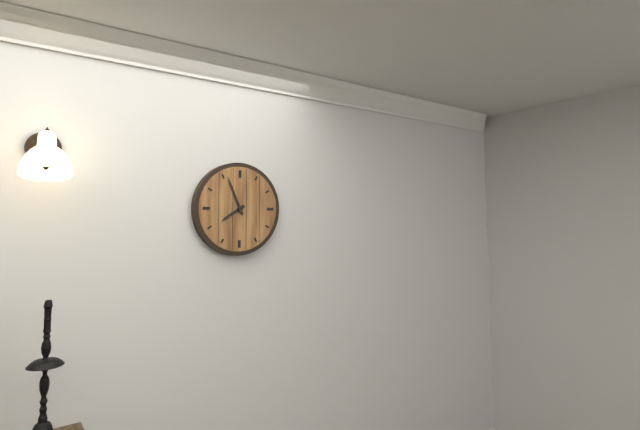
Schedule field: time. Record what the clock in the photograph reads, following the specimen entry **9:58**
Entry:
**7:56**
